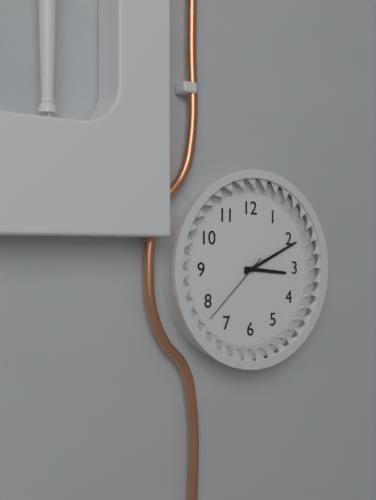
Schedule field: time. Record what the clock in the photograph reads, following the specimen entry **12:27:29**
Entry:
**3:11:38**
